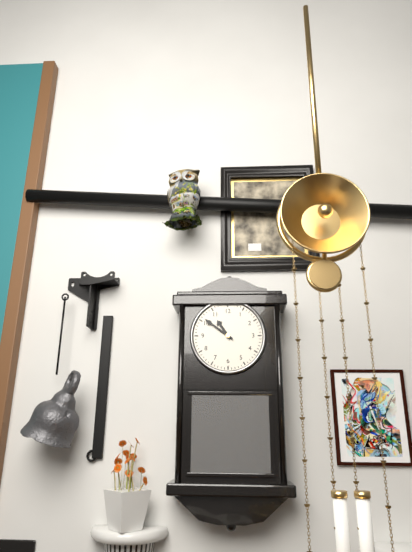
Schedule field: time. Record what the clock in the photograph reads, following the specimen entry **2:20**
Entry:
**10:51**
